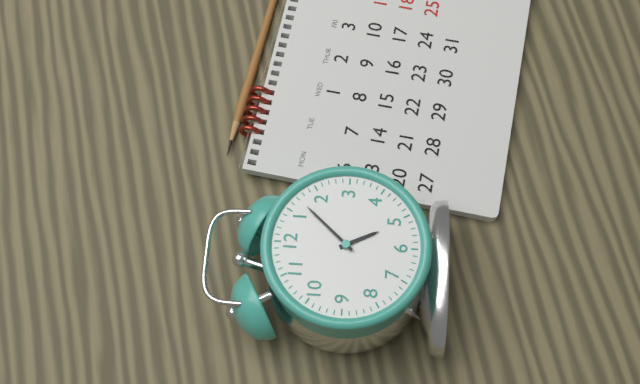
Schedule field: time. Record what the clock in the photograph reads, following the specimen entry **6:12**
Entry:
**5:07**
